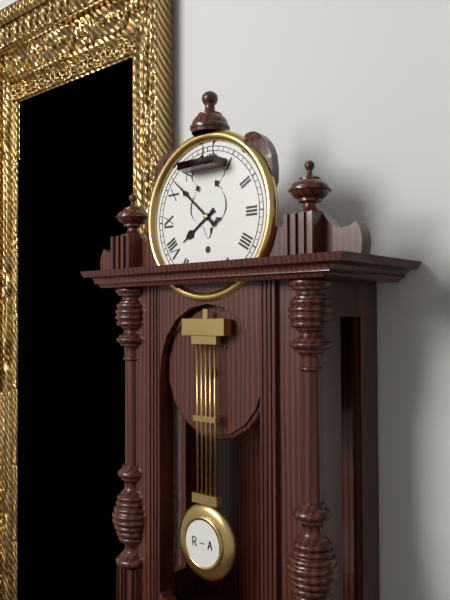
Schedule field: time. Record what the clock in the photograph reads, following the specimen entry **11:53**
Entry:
**7:52**
